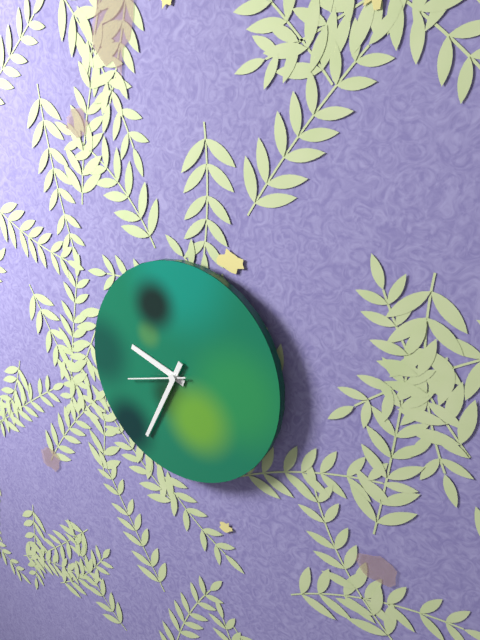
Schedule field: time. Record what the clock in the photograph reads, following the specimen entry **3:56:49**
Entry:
**9:34:42**
